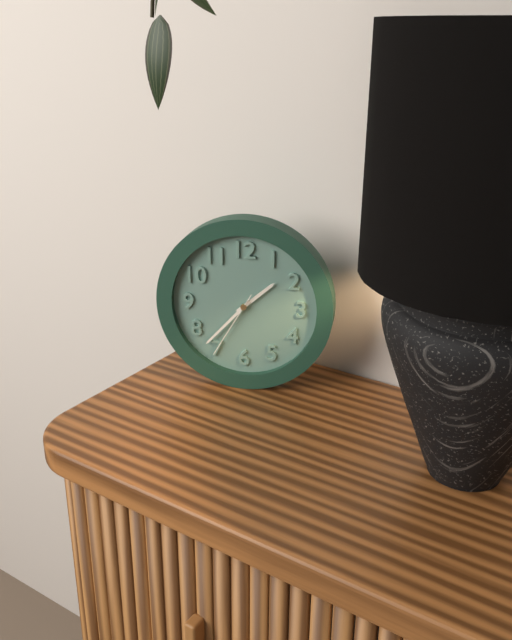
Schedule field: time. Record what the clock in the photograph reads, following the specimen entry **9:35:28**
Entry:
**1:37:35**
